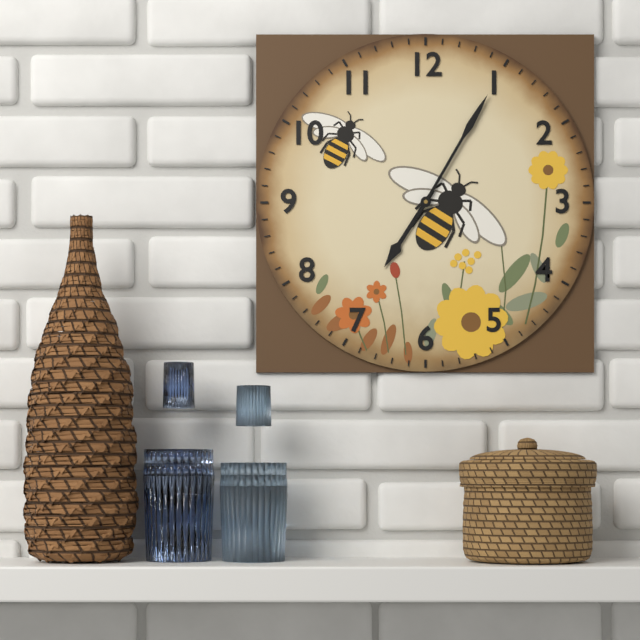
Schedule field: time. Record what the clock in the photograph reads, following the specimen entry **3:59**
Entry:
**7:05**
